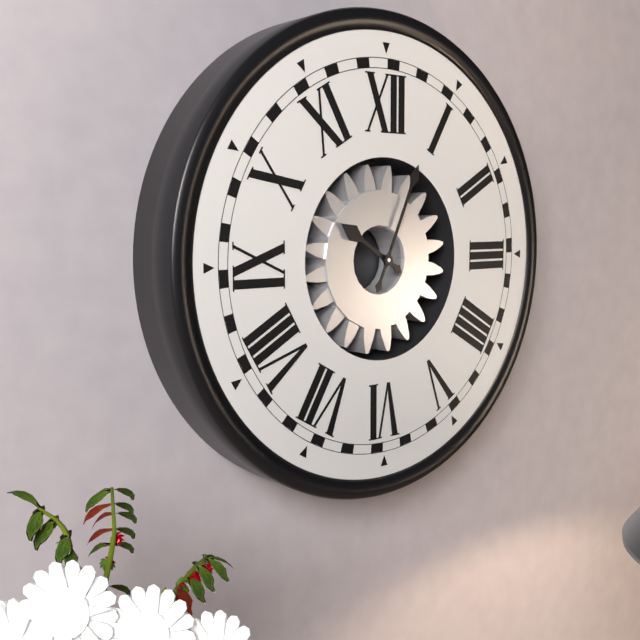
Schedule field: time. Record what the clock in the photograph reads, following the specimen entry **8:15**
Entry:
**10:04**
